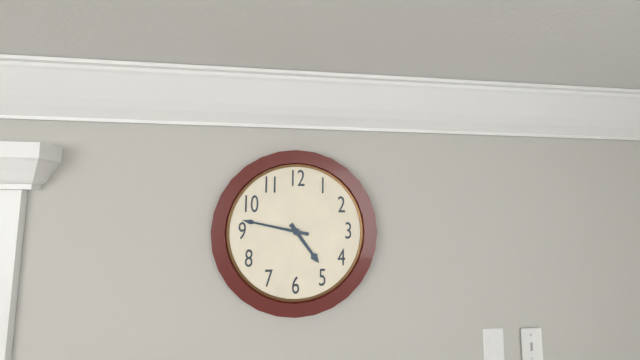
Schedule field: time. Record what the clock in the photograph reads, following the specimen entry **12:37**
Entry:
**4:47**
